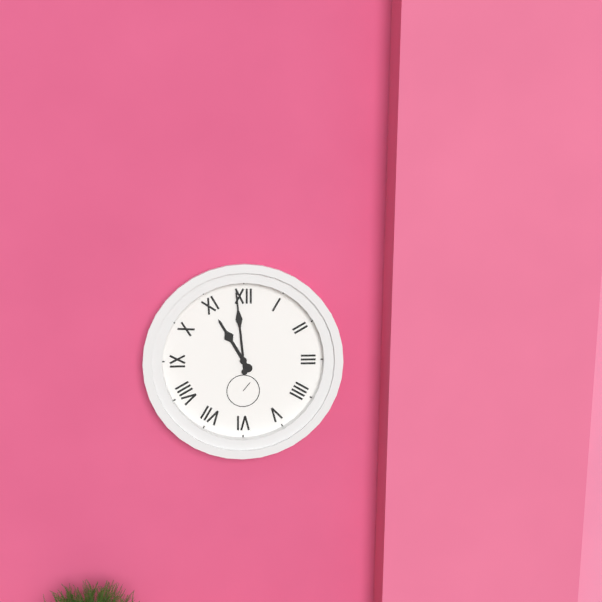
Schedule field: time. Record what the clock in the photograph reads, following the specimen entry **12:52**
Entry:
**10:59**
